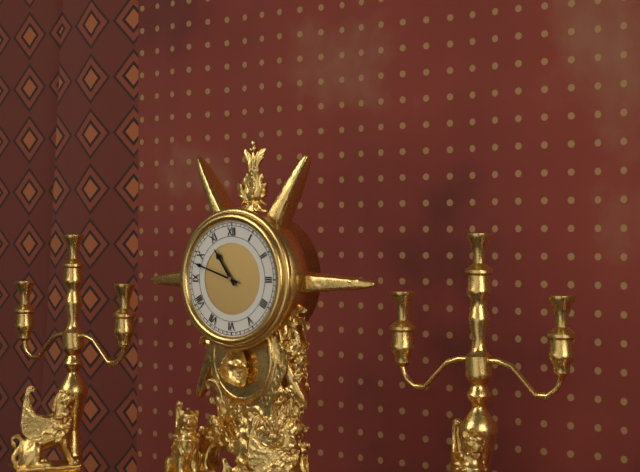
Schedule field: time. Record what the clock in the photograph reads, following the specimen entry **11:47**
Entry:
**10:48**
